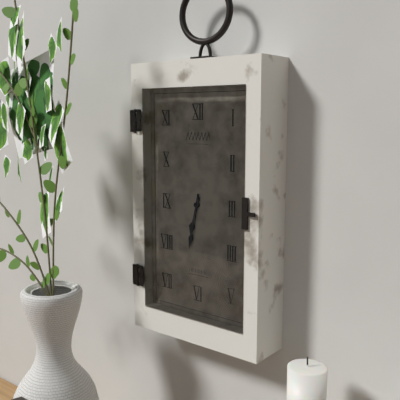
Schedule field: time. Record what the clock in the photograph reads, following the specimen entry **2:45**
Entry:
**6:32**
